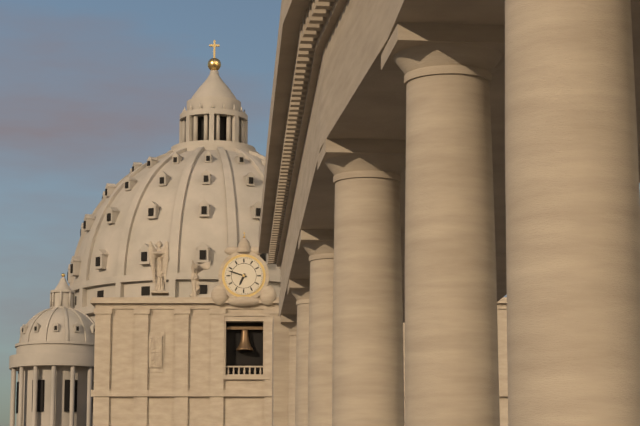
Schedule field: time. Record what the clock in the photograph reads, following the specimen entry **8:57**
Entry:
**6:48**
